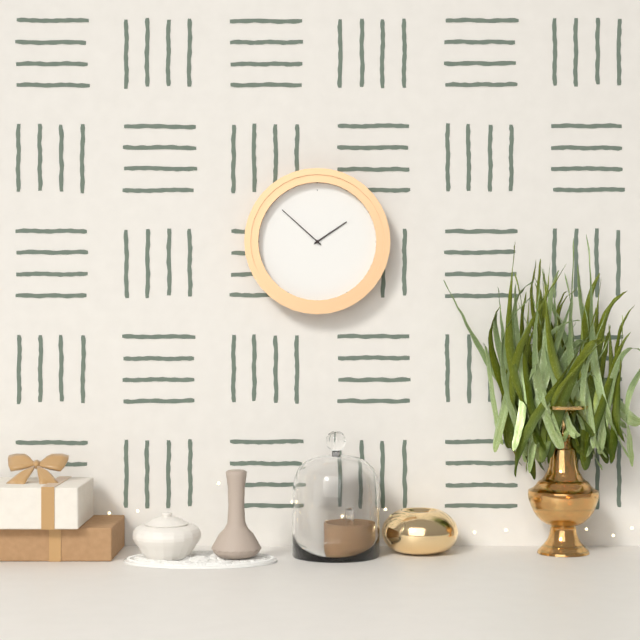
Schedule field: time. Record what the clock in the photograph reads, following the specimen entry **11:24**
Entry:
**1:52**
